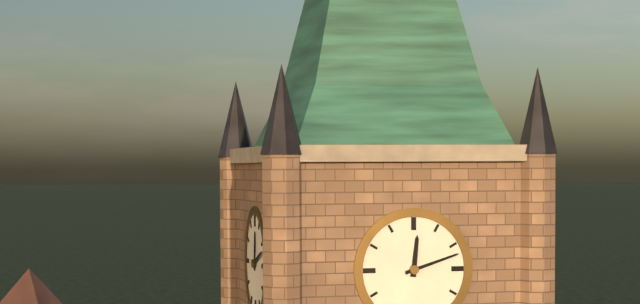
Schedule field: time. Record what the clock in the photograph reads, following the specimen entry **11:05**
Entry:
**12:12**
